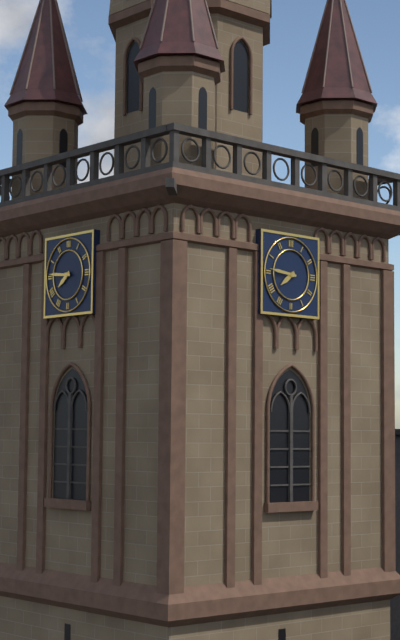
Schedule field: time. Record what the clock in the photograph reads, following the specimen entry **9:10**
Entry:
**7:46**
